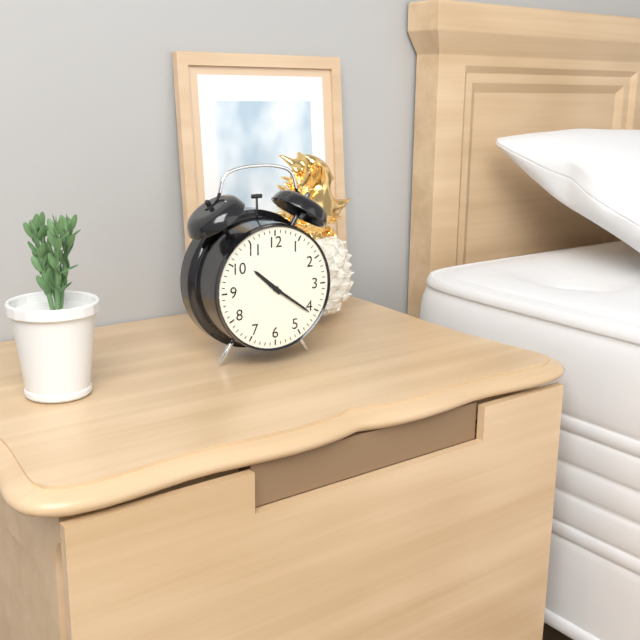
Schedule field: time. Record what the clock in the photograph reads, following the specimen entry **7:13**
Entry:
**10:21**
